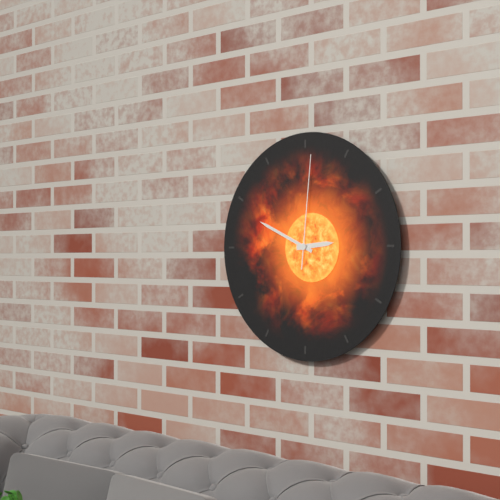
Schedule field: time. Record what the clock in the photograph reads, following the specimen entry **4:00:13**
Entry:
**2:49:01**
